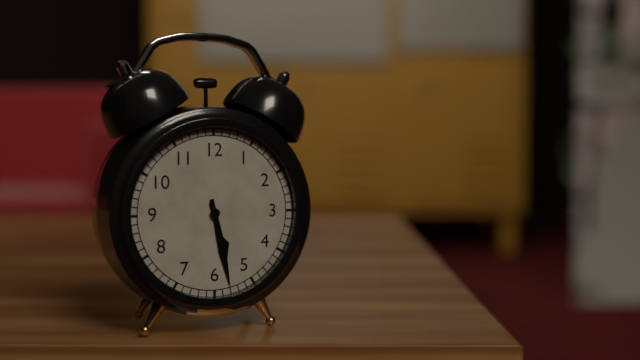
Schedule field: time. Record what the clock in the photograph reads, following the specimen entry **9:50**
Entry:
**5:28**
